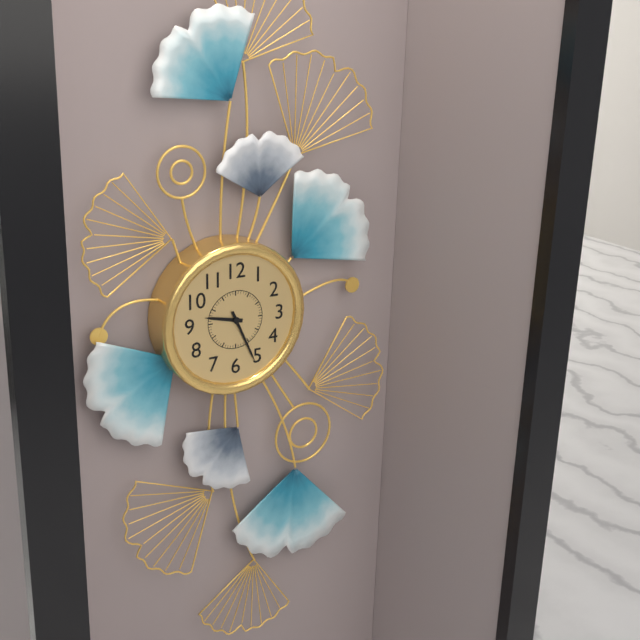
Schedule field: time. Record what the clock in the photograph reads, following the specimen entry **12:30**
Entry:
**9:26**
